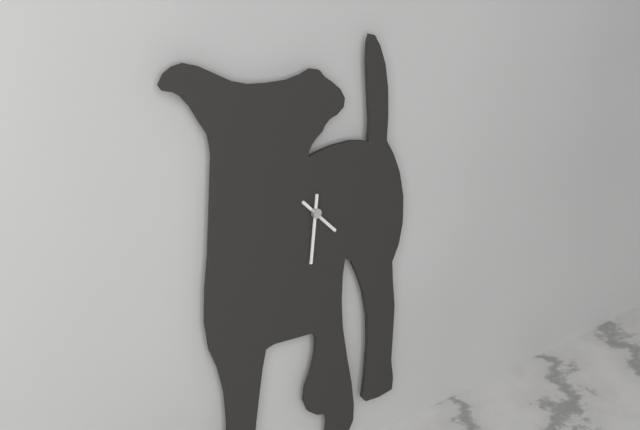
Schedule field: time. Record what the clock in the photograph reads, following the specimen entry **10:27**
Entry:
**4:31**
